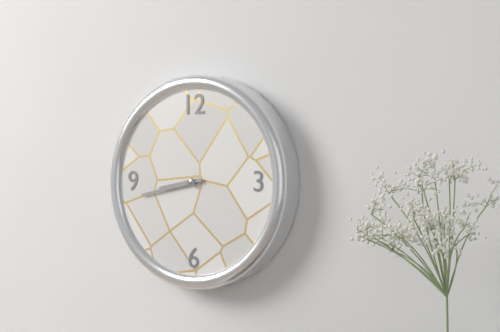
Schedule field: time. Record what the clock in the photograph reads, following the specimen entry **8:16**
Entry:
**8:43**
